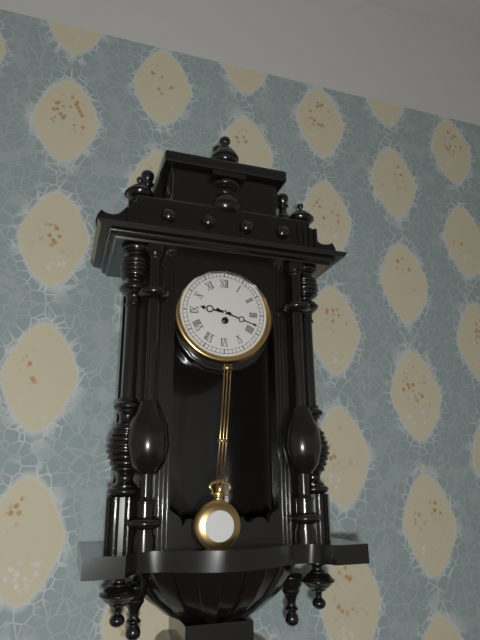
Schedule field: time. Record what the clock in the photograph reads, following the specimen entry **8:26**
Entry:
**9:18**
